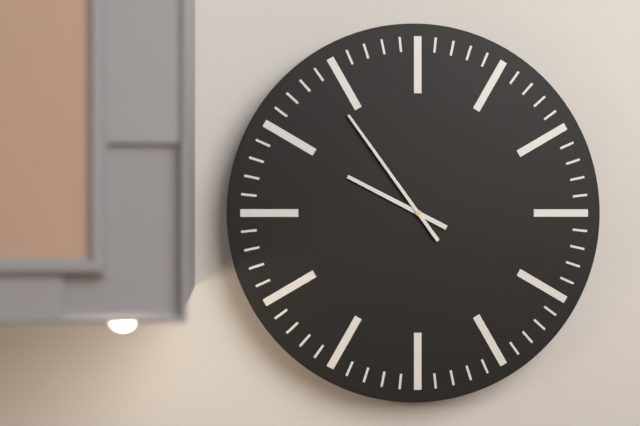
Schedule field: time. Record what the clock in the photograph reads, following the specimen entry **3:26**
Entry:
**9:54**
